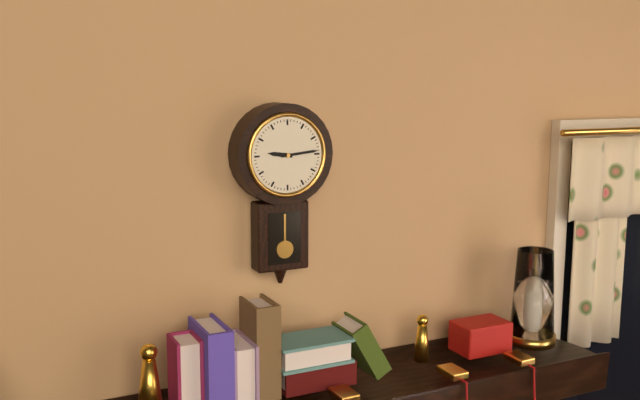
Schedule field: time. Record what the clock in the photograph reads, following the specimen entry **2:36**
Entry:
**9:14**
